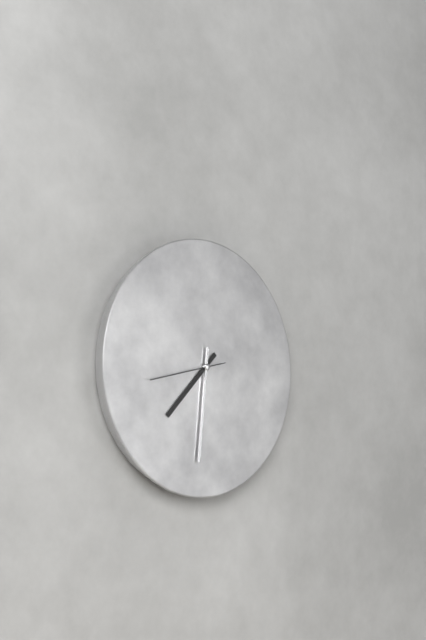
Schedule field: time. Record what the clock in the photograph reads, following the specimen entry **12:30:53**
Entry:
**7:31:43**
